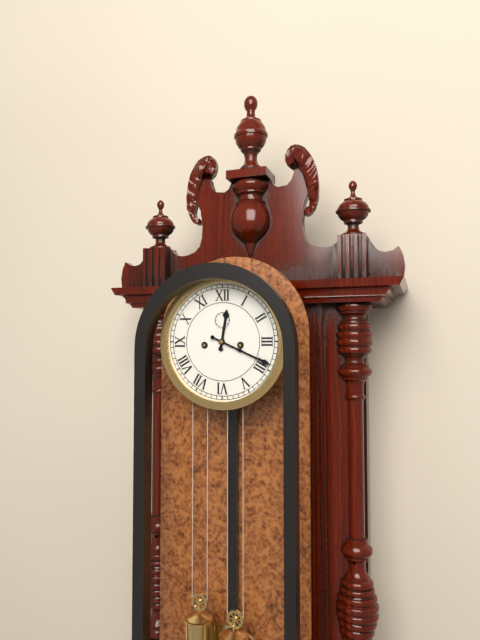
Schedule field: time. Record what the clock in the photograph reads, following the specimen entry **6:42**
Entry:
**12:19**
